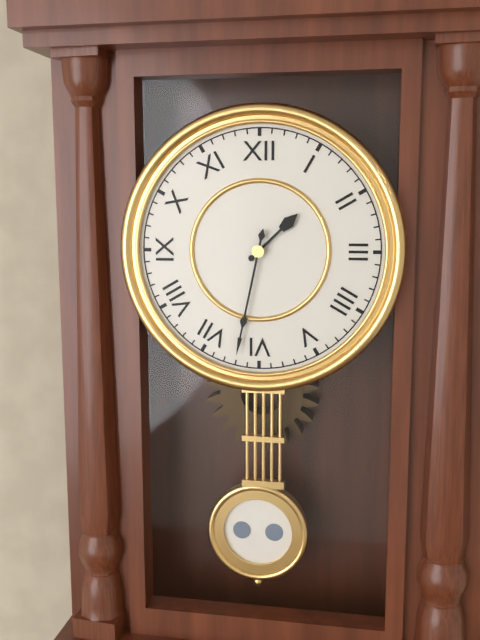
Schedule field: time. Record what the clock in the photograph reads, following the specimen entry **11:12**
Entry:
**1:32**
